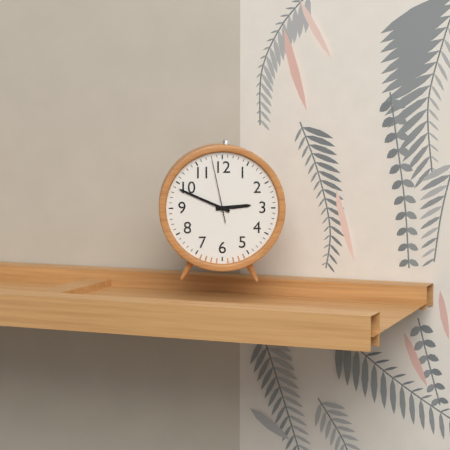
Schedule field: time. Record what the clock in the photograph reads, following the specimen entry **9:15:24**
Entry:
**2:49:58**
